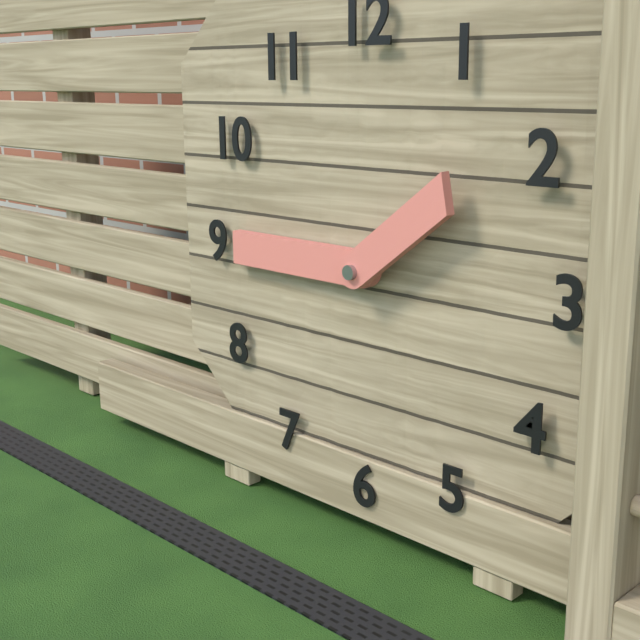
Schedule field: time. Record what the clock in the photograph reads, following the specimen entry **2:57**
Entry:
**1:45**
